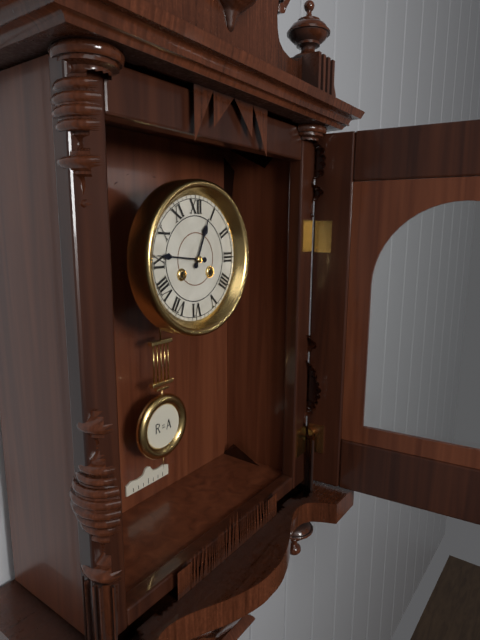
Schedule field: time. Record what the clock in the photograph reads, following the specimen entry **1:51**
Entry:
**12:46**
